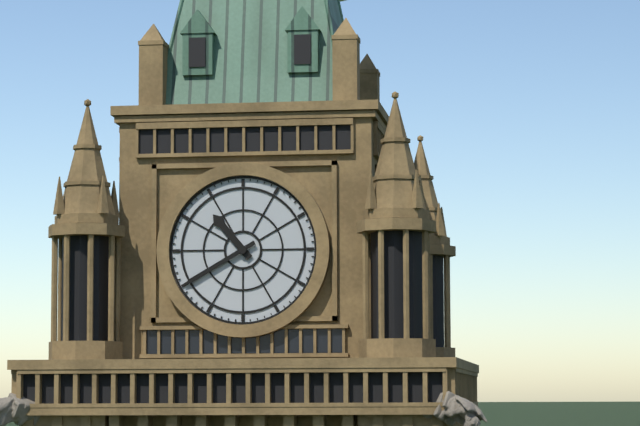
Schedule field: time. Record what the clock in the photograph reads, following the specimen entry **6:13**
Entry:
**10:40**
